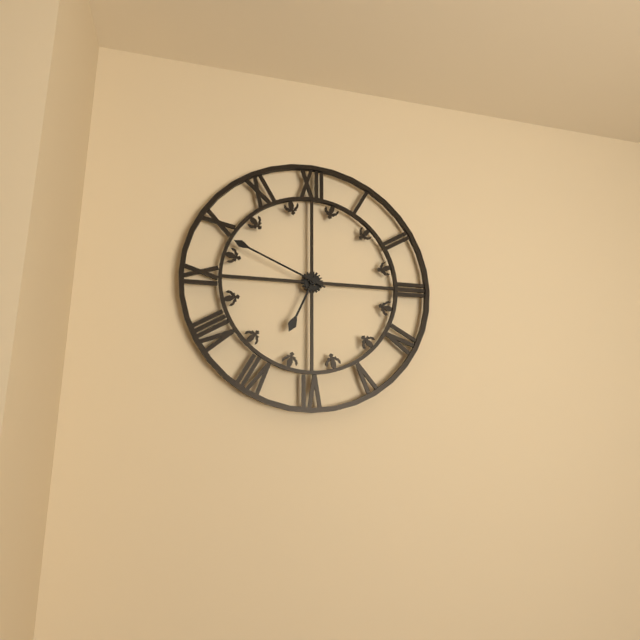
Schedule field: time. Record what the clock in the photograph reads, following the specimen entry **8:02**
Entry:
**6:49**
